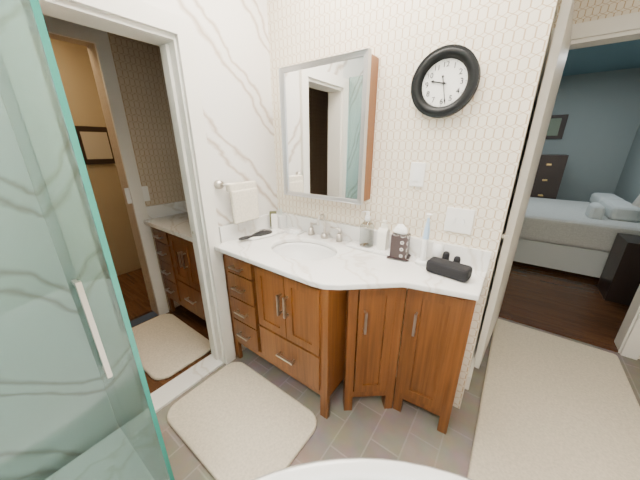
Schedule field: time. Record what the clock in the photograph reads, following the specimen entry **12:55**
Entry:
**9:28**
